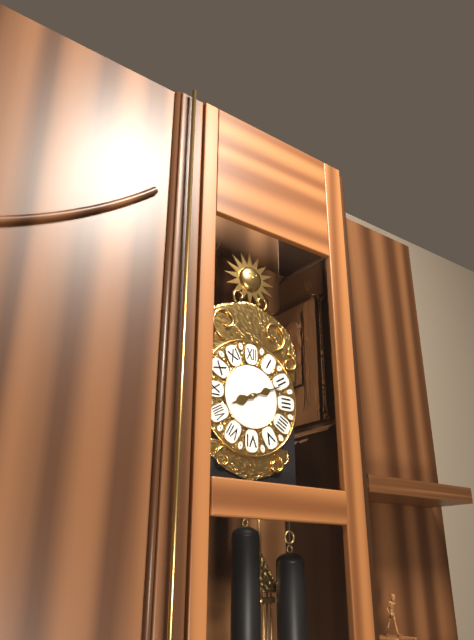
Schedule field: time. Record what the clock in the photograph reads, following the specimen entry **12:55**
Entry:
**8:11**
